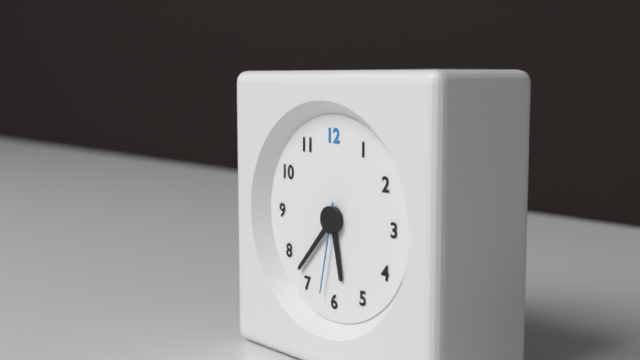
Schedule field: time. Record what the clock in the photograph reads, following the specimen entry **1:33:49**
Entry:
**5:37:32**
